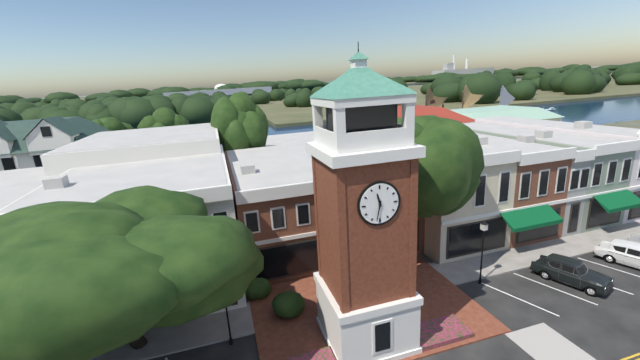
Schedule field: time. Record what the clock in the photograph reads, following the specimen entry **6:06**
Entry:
**11:32**
